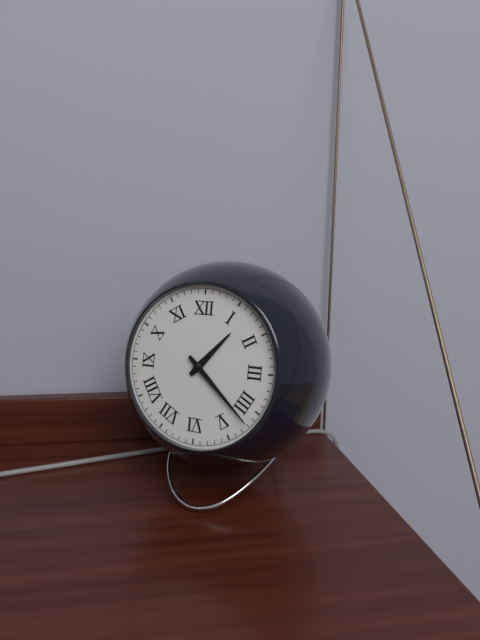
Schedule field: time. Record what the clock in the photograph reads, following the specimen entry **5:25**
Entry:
**1:22**
